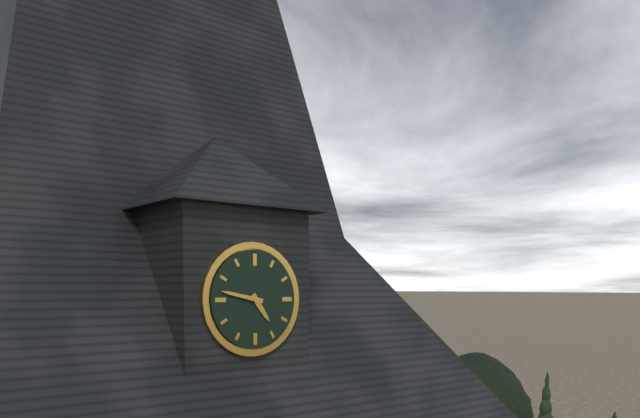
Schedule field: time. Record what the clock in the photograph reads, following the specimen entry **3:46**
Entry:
**4:47**
